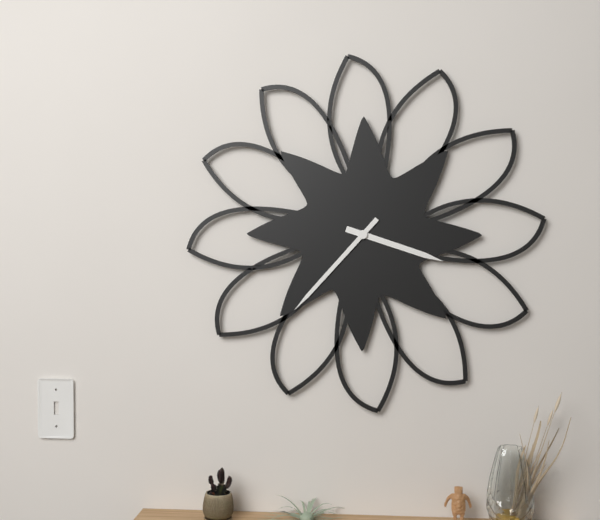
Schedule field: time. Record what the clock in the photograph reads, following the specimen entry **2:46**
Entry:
**3:37**
